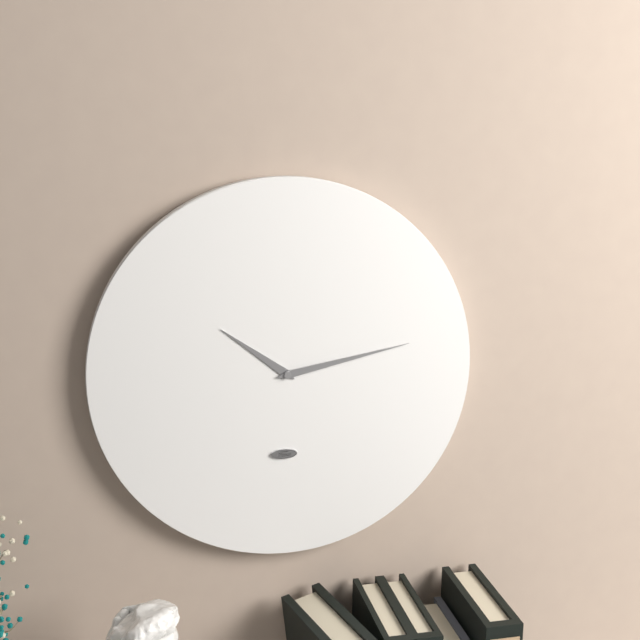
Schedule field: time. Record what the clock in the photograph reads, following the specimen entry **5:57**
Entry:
**10:13**
